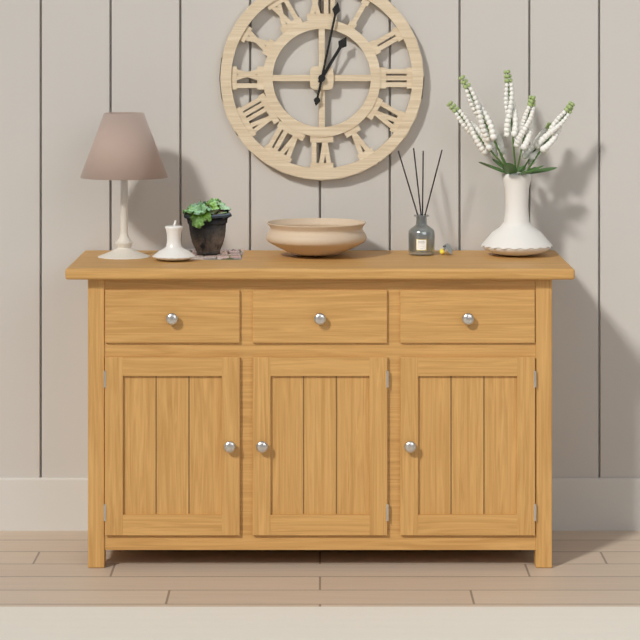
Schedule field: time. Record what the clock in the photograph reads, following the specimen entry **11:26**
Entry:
**1:02**
